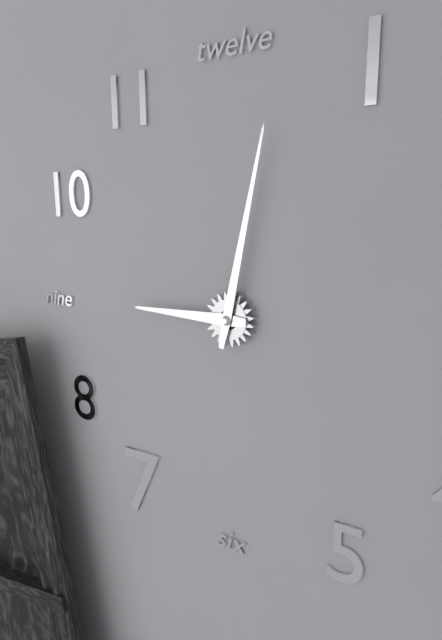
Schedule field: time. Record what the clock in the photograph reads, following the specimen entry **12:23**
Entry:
**9:02**
